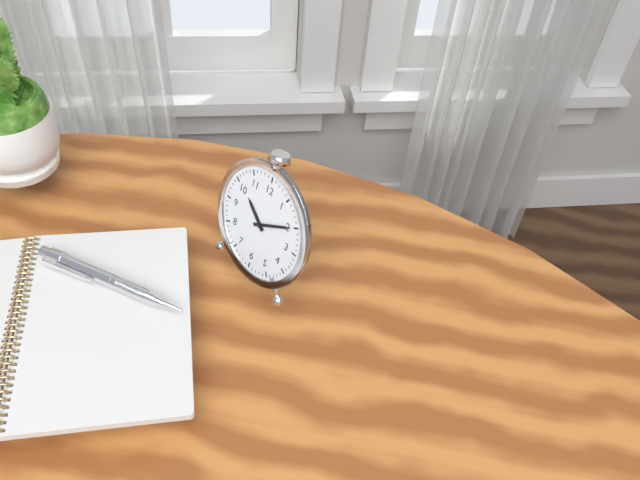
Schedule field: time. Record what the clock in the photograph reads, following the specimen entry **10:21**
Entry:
**10:10**
